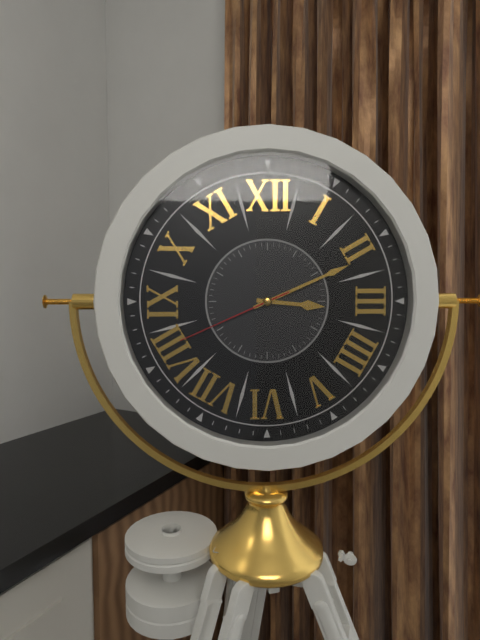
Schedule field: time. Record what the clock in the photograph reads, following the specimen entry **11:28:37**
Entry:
**3:11:41**
